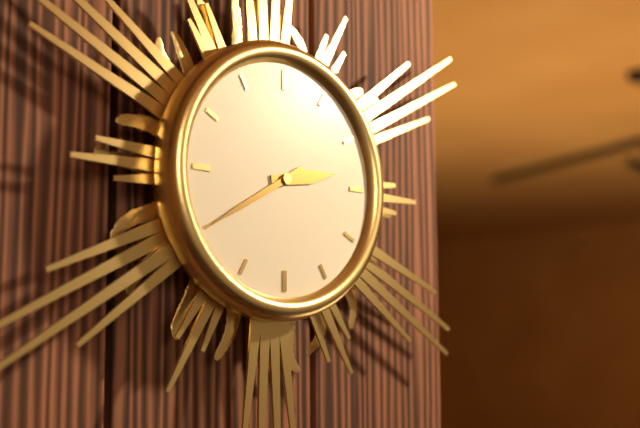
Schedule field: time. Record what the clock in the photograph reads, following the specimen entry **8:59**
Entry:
**2:40**
